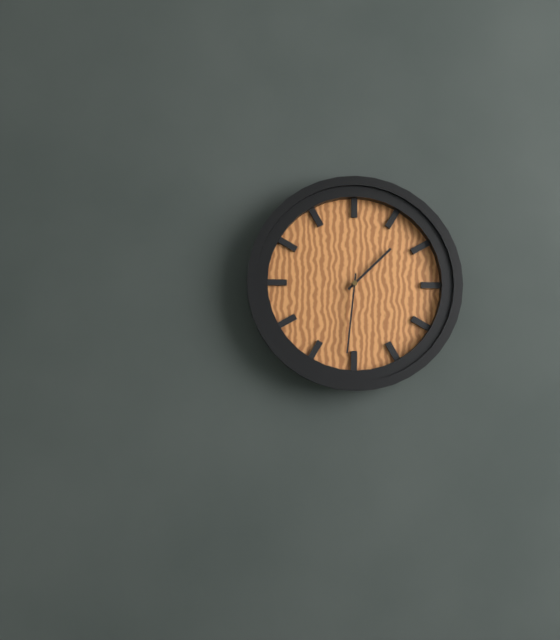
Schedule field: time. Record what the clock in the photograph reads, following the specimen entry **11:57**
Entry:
**1:31**
